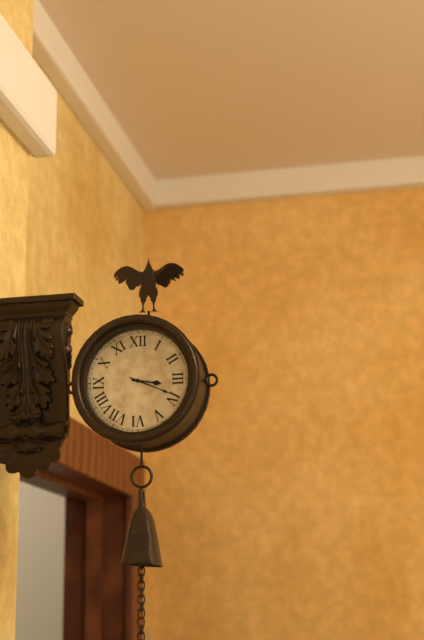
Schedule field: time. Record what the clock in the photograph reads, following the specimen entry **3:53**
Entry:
**3:19**
